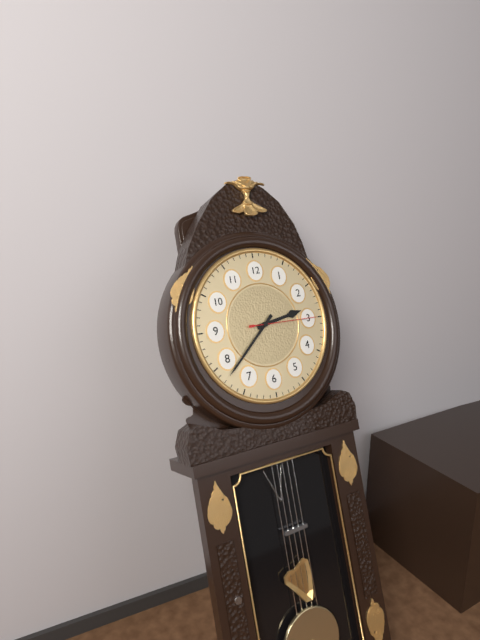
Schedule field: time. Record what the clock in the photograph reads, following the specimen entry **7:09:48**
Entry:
**2:38:15**
